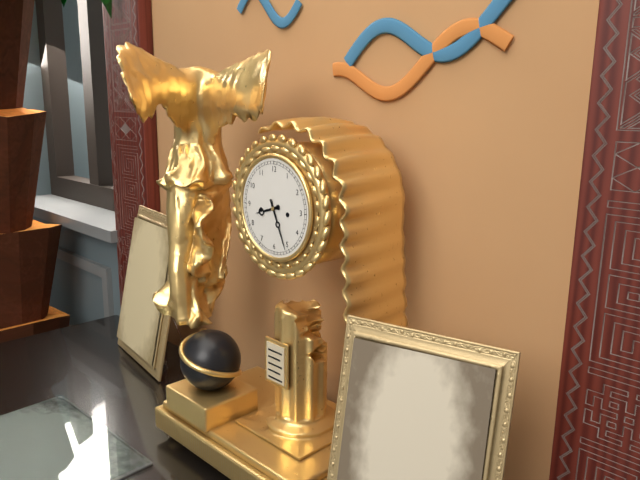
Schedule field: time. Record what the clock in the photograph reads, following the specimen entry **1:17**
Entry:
**8:26**
